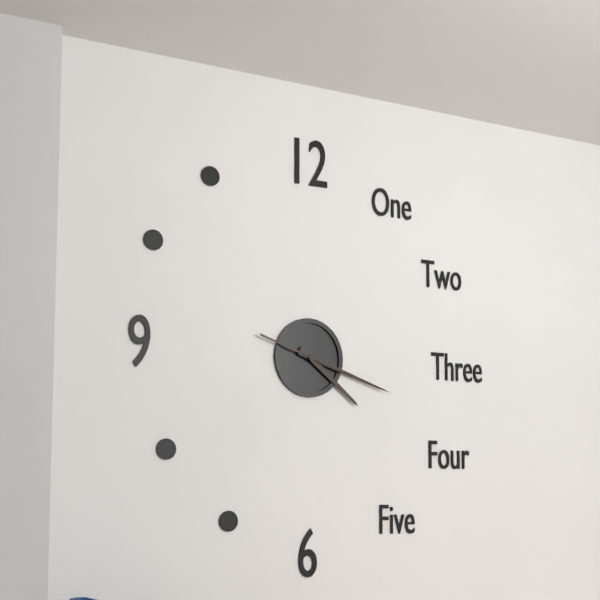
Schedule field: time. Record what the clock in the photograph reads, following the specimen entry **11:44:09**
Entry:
**4:18:18**
